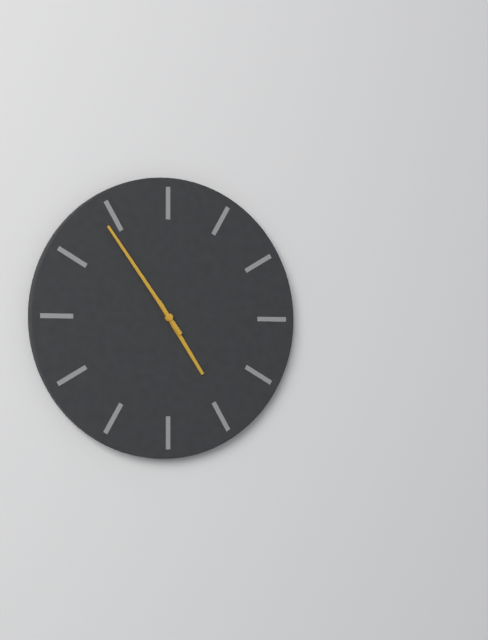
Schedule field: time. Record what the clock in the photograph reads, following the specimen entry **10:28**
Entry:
**4:54**
